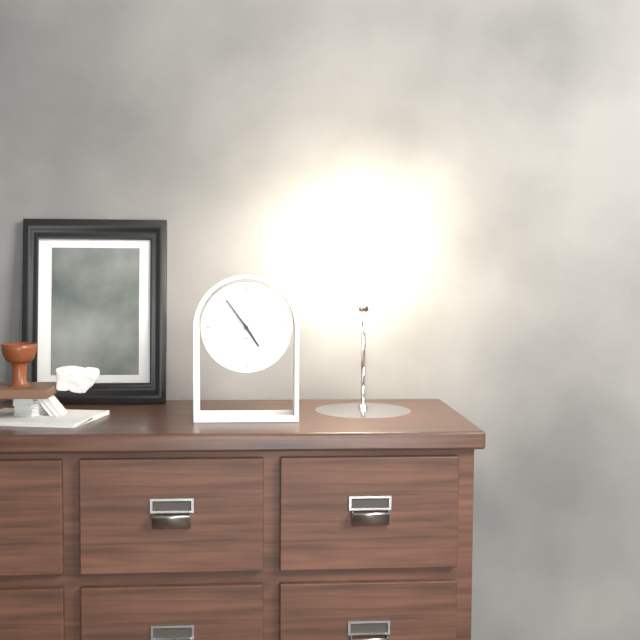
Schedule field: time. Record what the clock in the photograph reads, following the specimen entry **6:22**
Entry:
**4:54**
